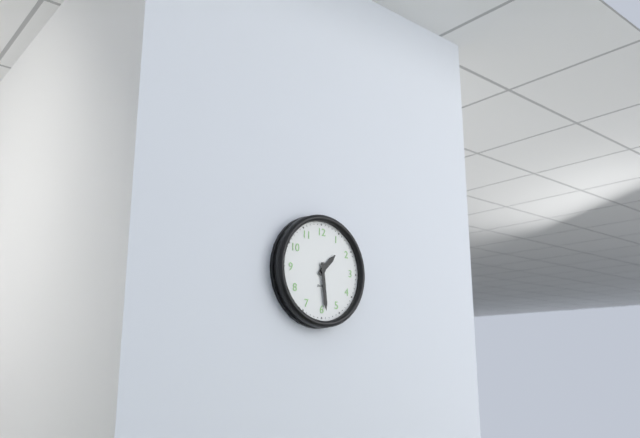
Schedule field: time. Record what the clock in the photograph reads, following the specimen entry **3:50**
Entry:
**1:29**
